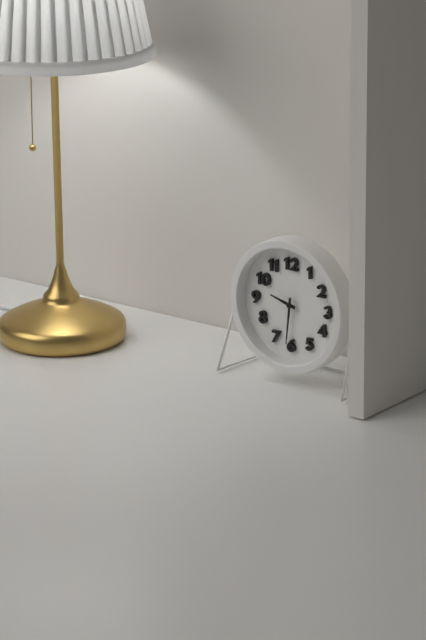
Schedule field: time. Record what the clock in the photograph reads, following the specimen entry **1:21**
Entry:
**9:31**
